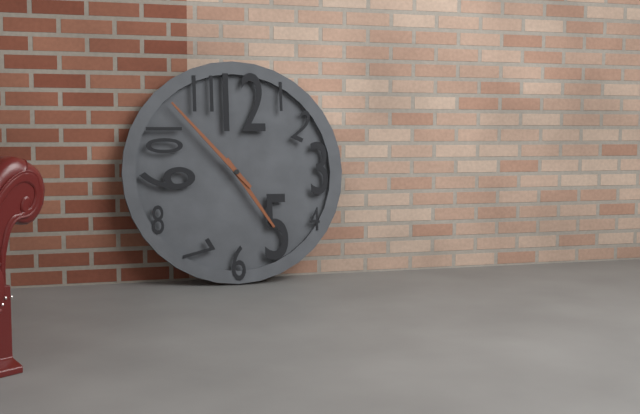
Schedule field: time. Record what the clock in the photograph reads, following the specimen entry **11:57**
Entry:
**4:53**
